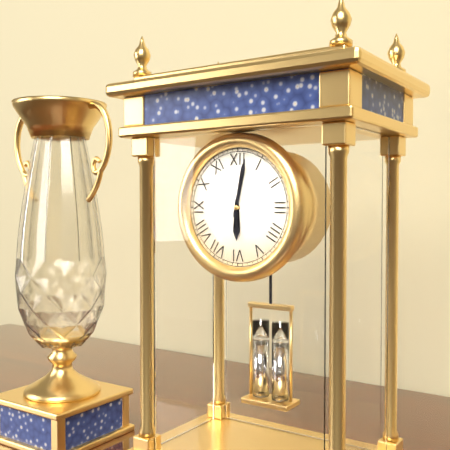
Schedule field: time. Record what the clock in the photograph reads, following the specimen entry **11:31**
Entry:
**6:02**
